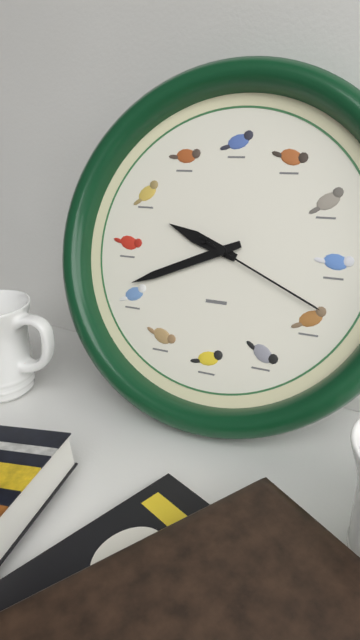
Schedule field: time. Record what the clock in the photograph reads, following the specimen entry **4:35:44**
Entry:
**9:41:19**
